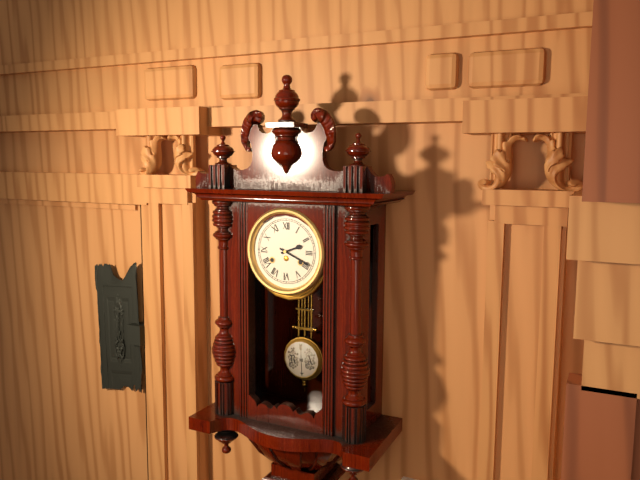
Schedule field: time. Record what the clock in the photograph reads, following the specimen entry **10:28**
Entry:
**2:19**
